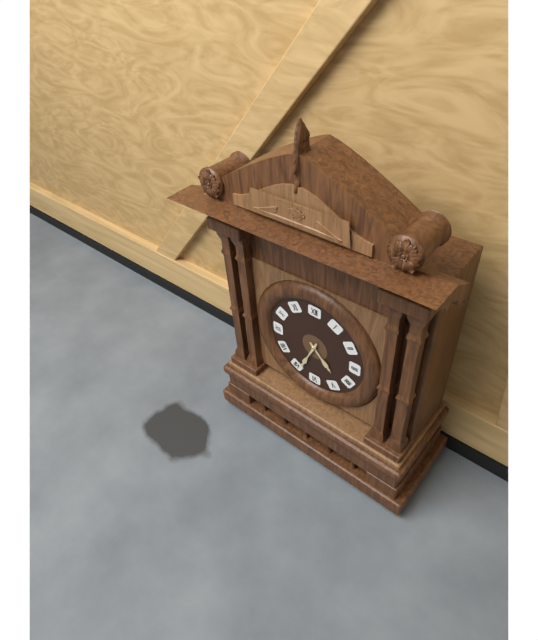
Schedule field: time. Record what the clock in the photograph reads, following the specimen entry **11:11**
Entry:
**4:34**
